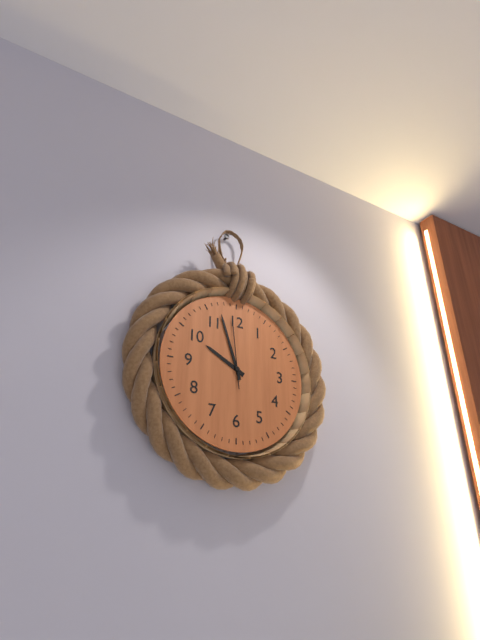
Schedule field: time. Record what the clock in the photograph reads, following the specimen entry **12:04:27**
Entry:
**9:57:59**
